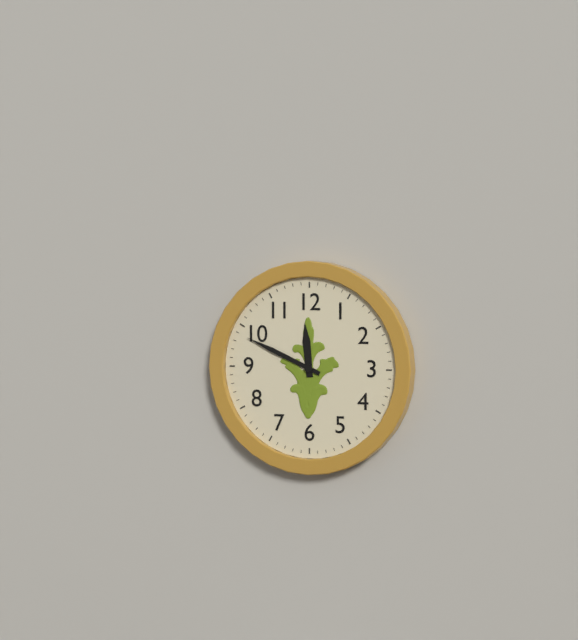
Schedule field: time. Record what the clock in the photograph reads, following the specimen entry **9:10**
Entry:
**11:49**
